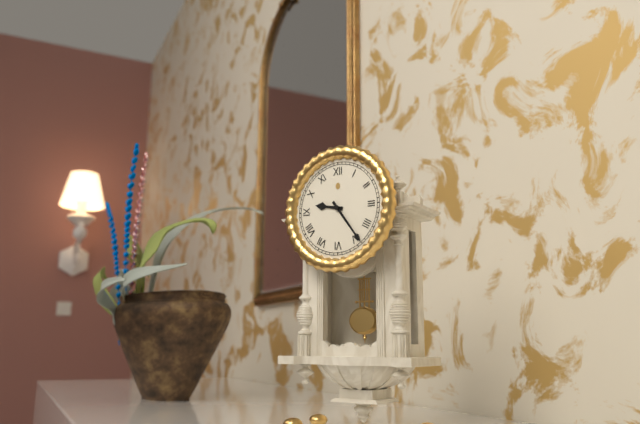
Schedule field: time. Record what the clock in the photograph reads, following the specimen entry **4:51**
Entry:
**9:24**
